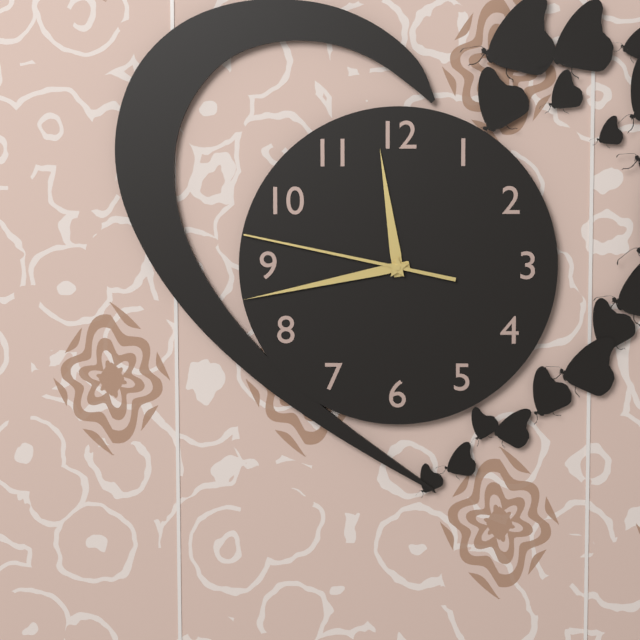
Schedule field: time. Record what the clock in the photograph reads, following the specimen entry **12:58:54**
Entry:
**11:43:47**
